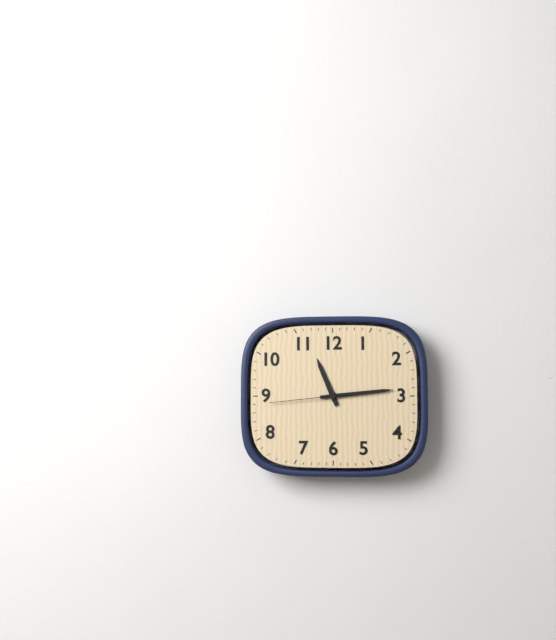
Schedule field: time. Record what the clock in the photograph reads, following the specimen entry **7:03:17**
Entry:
**11:14:44**
